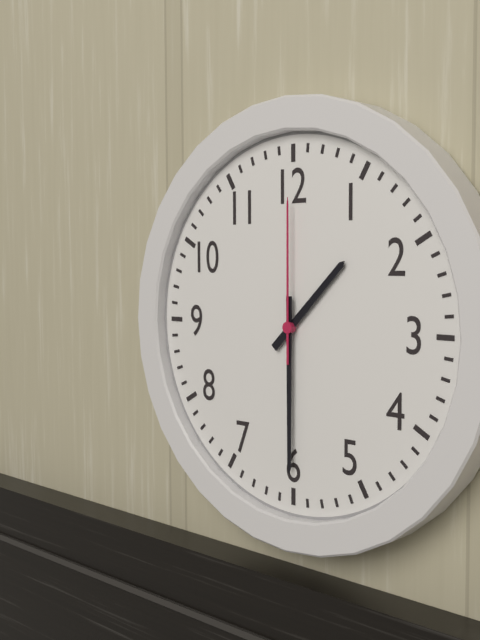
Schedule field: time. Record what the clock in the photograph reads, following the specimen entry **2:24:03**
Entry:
**1:30:00**
